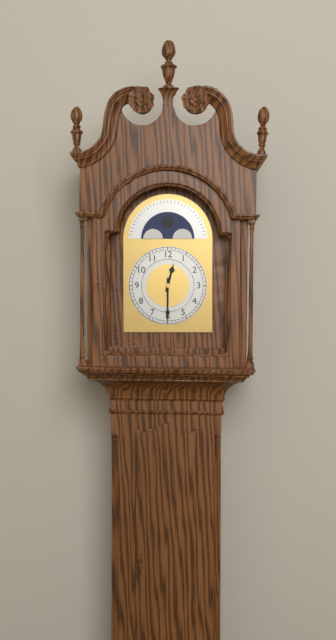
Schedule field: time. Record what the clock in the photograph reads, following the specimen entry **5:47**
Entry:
**12:30**
